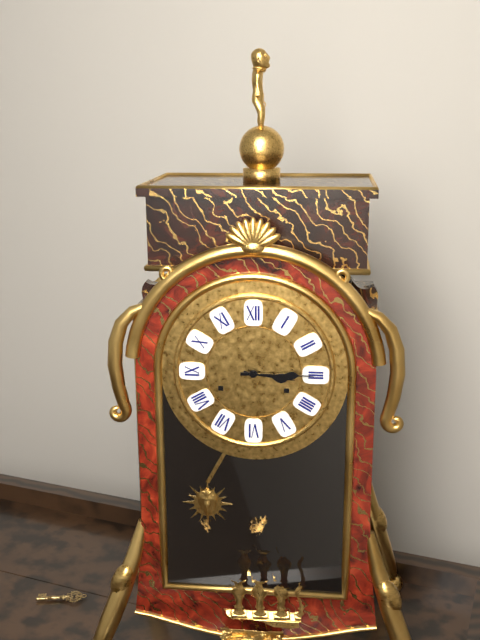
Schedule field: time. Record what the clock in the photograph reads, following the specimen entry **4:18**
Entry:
**3:15**
